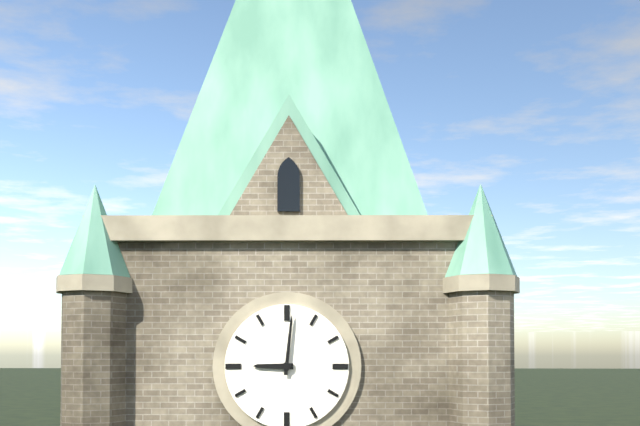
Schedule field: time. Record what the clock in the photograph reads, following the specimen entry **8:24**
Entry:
**9:01**
